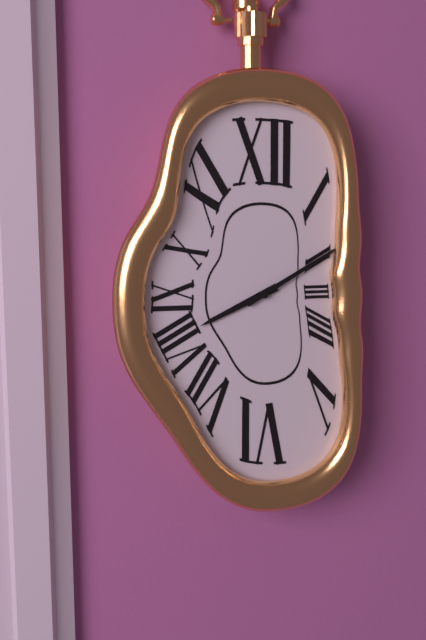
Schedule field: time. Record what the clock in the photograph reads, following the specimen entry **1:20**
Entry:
**8:10**
